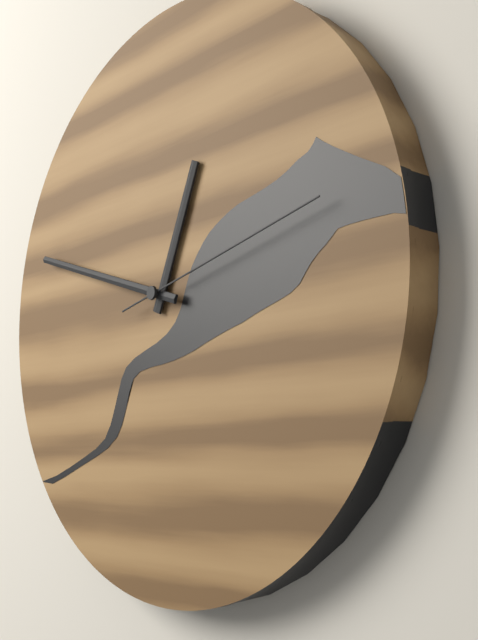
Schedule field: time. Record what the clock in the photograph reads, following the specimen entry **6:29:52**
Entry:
**12:48:13**
